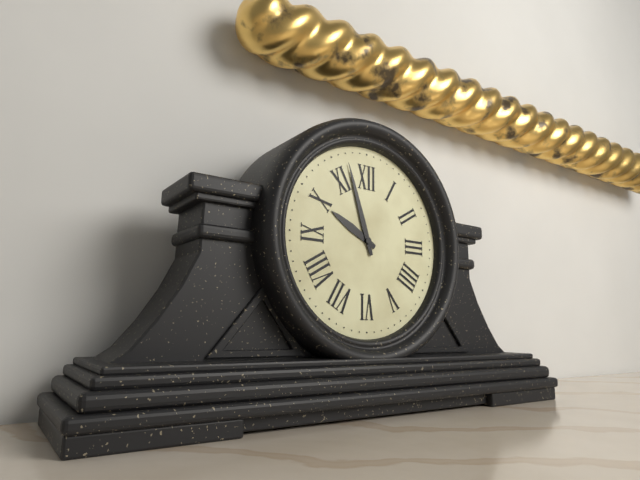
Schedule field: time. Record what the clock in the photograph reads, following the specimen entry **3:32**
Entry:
**9:57**
